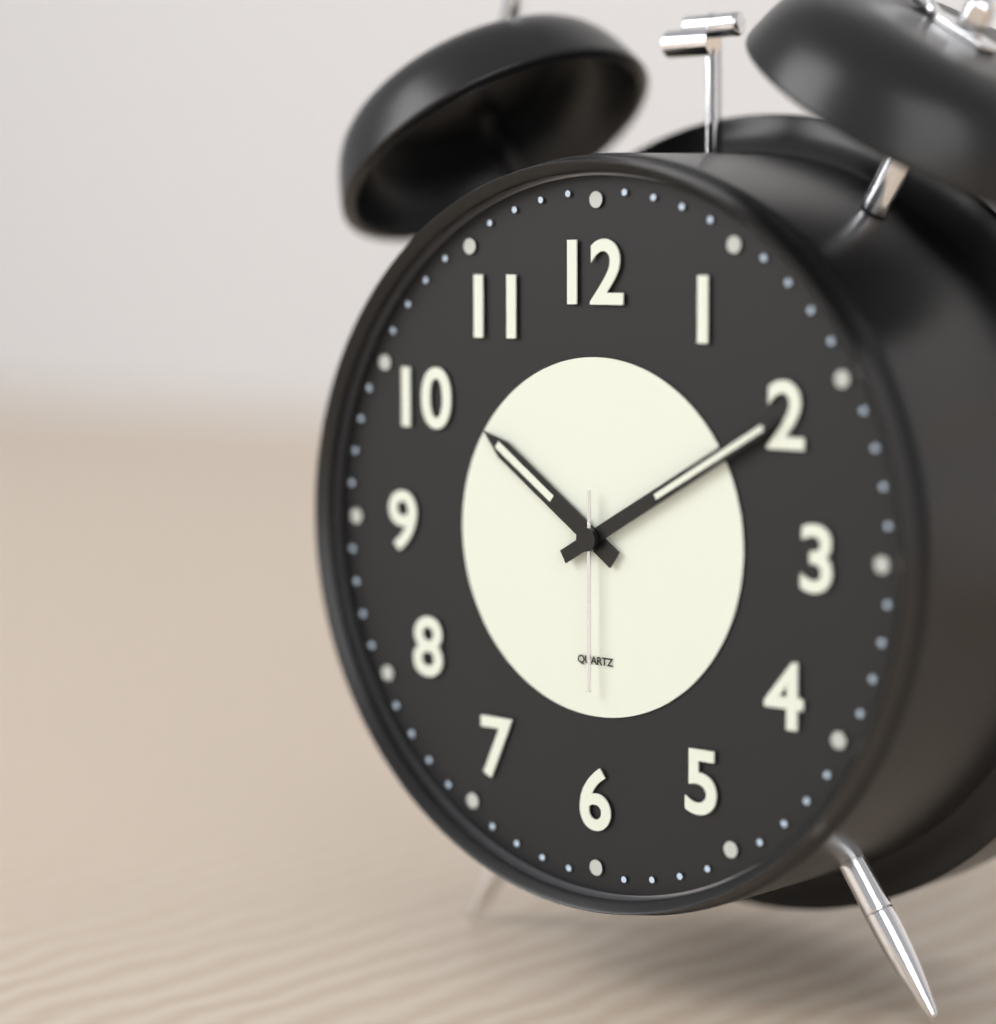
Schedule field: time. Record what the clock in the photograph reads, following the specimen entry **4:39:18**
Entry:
**10:10:30**
